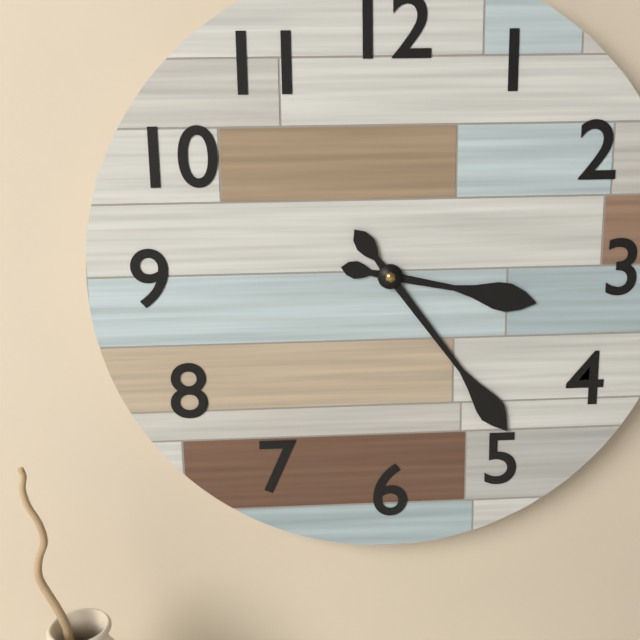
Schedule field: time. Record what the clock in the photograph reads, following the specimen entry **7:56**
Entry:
**3:24**
